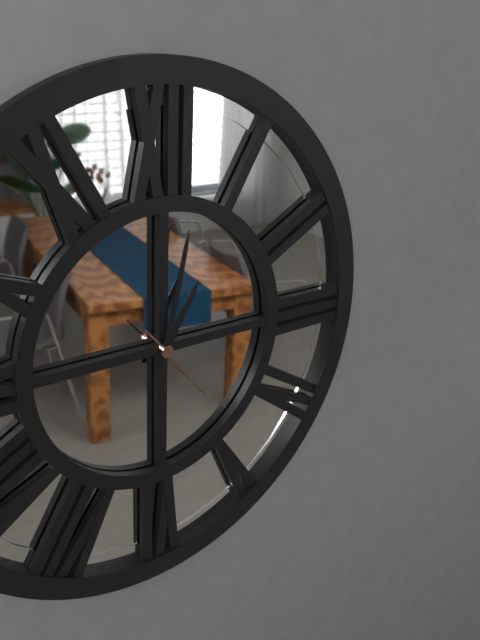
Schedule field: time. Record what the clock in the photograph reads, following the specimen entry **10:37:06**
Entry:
**1:02:23**
